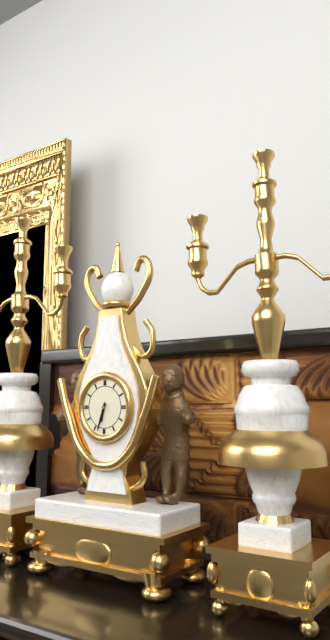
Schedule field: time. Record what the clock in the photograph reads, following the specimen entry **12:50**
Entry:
**6:33**
